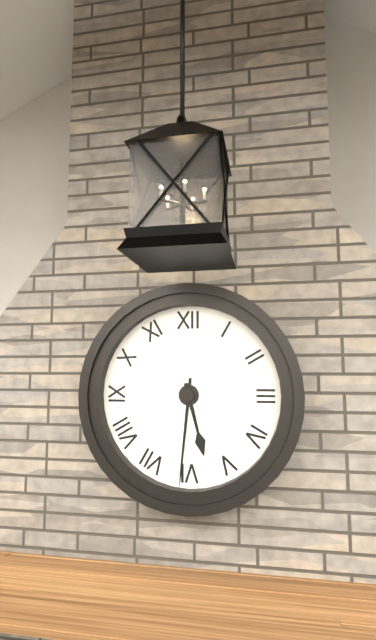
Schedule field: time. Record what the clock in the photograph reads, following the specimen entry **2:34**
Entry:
**5:31**
